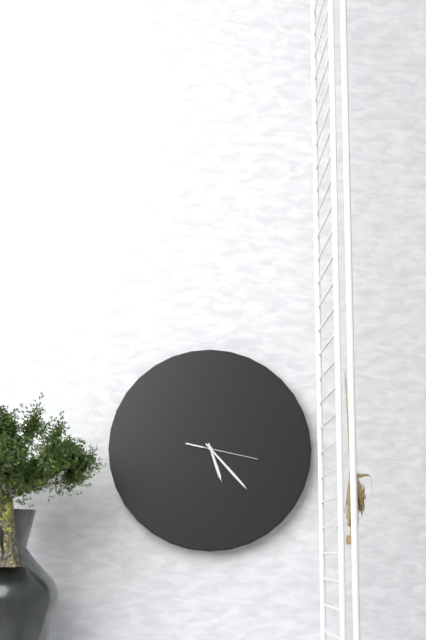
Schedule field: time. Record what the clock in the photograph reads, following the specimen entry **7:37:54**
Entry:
**5:23:17**
